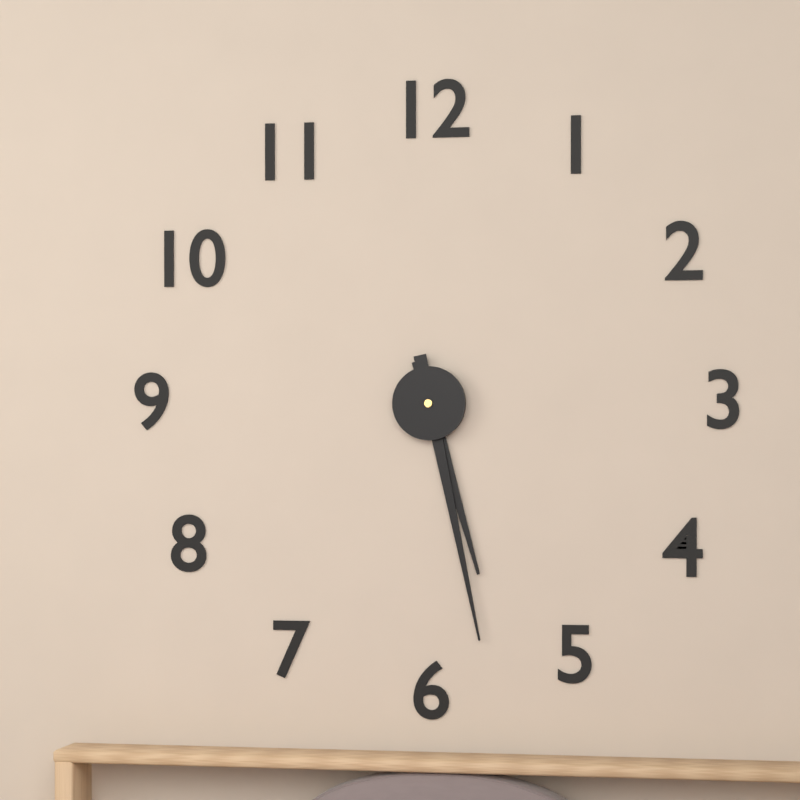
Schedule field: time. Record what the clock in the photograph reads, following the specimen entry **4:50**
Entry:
**5:28**
